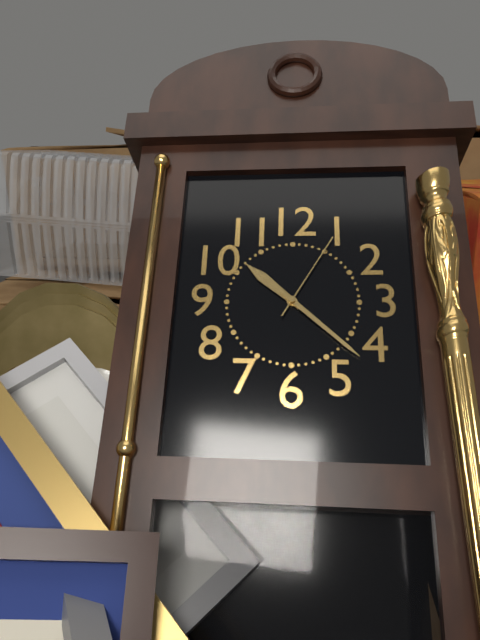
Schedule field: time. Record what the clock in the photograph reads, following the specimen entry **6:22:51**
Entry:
**10:22:05**
